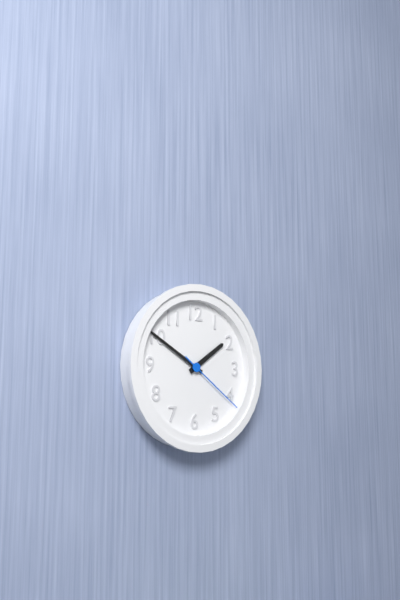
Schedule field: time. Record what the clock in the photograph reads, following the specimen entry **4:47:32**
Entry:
**1:50:21**
